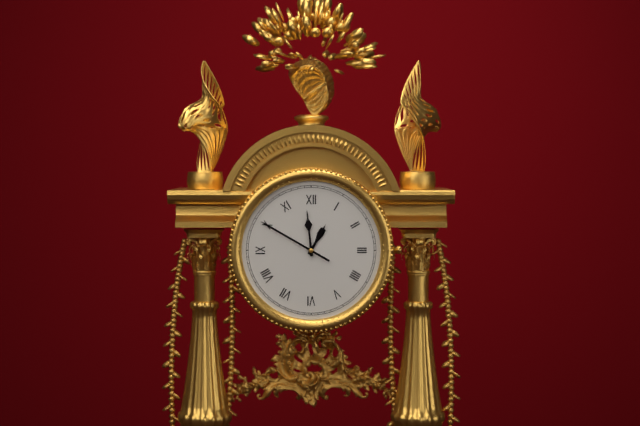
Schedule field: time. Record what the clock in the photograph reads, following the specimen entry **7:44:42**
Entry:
**12:59:50**
